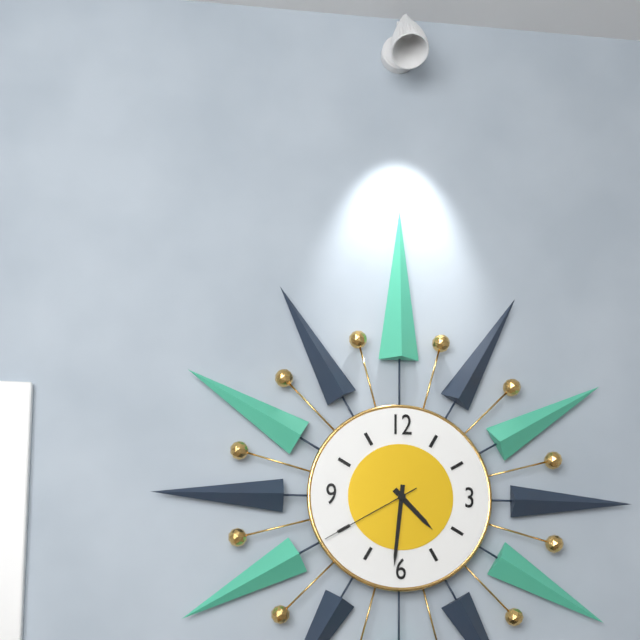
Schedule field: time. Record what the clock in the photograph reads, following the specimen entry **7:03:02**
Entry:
**4:31:40**
